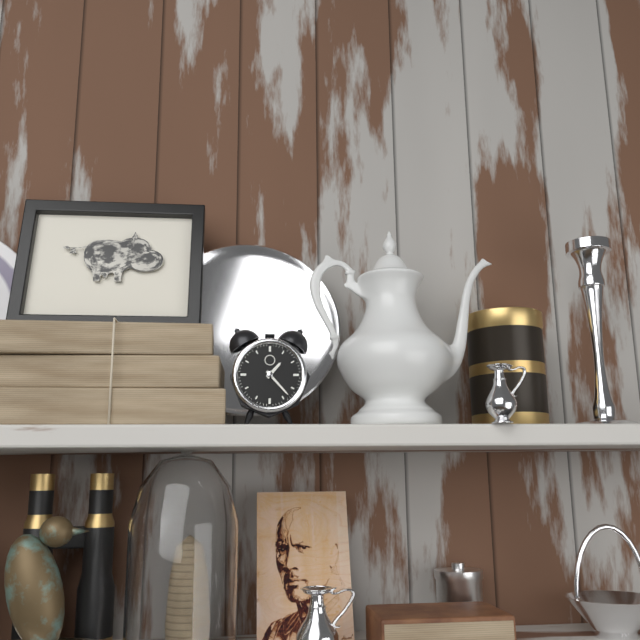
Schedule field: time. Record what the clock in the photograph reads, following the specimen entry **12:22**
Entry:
**1:23**
